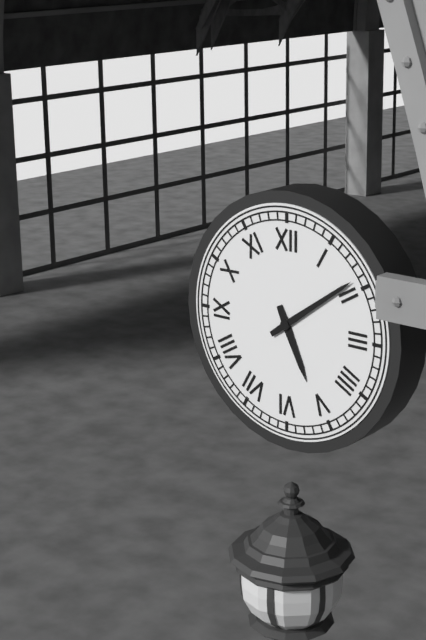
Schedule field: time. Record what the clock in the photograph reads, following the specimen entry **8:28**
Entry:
**5:09**
